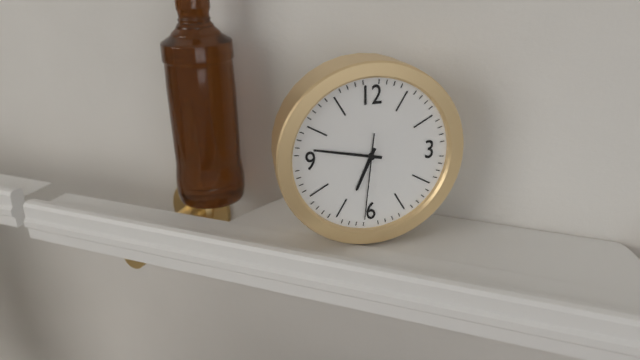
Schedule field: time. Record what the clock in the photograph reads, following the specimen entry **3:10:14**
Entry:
**6:47:31**
